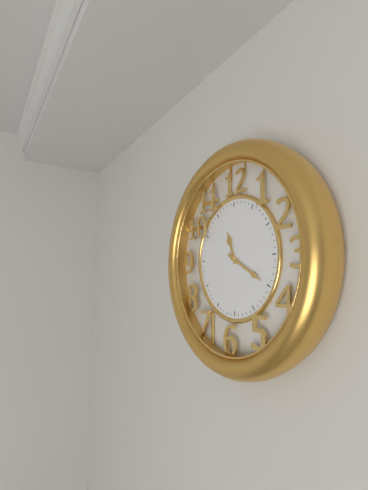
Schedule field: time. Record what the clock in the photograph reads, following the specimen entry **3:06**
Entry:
**11:20**
